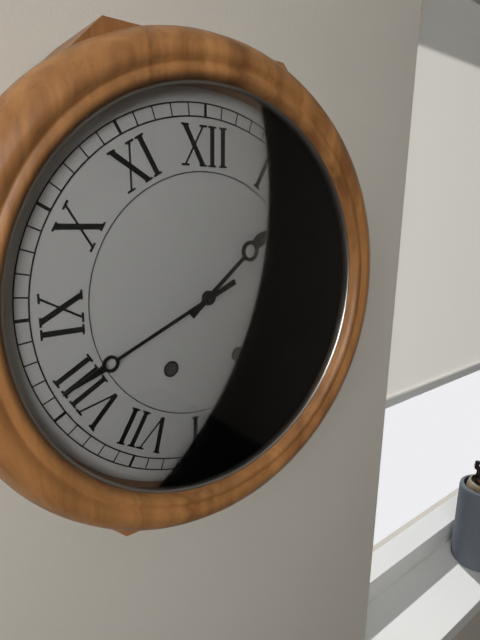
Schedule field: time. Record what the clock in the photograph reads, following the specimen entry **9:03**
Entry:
**1:41**
